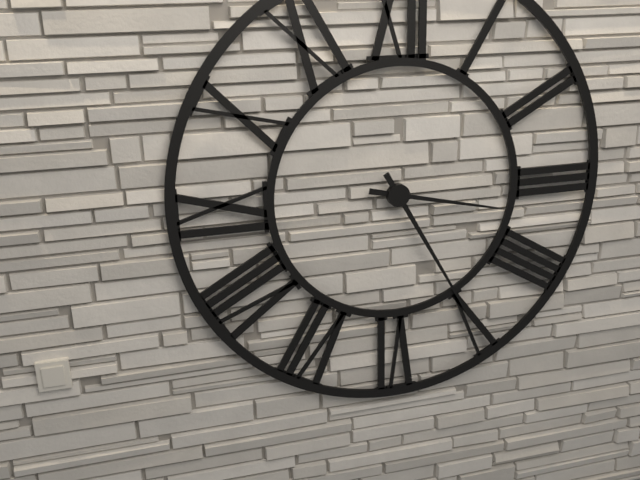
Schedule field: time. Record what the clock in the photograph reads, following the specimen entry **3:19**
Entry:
**3:25**
